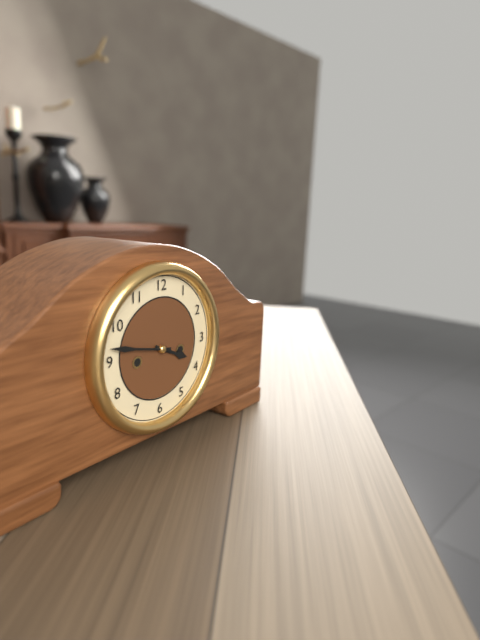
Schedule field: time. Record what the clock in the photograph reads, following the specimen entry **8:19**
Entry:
**3:47**
